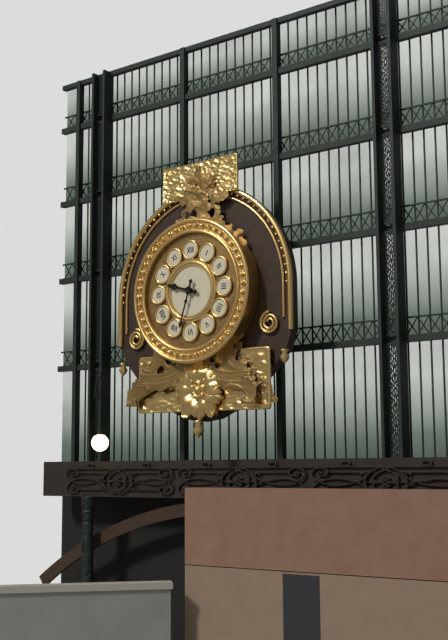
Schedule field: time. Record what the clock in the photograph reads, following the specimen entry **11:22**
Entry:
**9:33**
